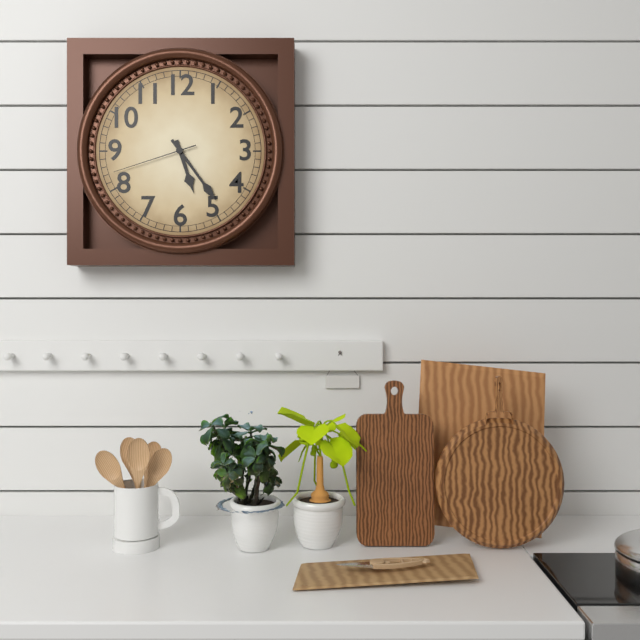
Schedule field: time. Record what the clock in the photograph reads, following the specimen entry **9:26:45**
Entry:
**5:24:42**
